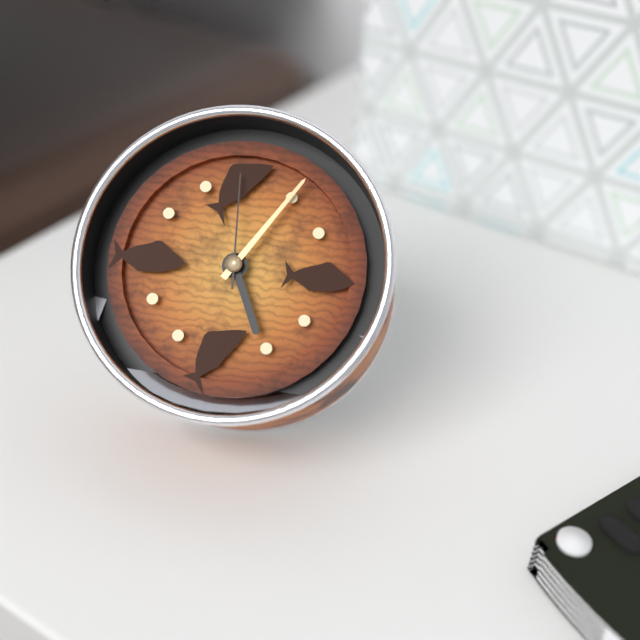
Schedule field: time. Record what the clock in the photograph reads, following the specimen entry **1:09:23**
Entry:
**5:05:59**
